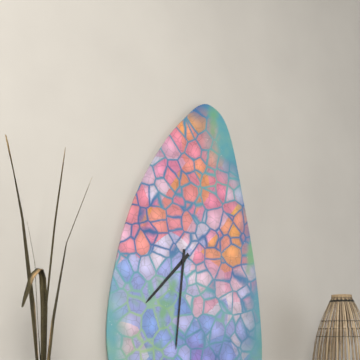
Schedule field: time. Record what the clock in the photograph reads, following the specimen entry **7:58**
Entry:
**7:31**
